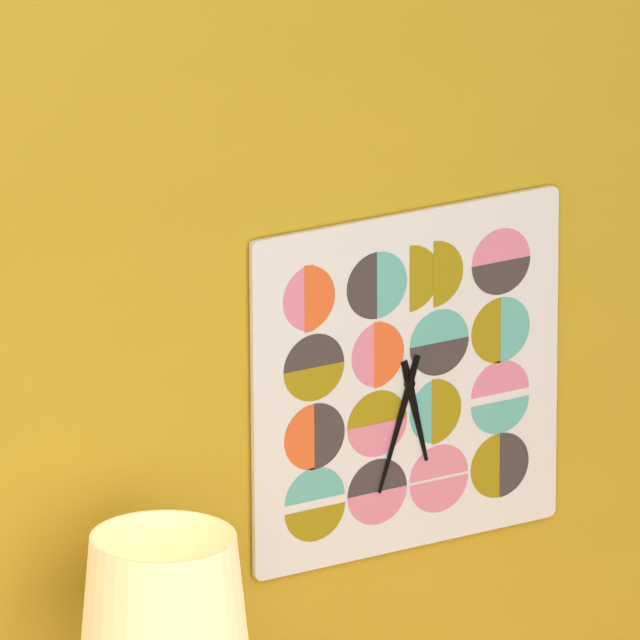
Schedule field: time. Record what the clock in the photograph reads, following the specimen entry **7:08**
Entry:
**5:33**
